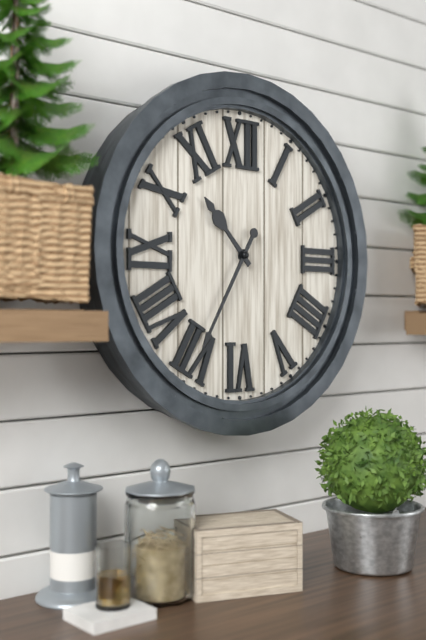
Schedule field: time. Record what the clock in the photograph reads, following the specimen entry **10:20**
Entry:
**10:35**
